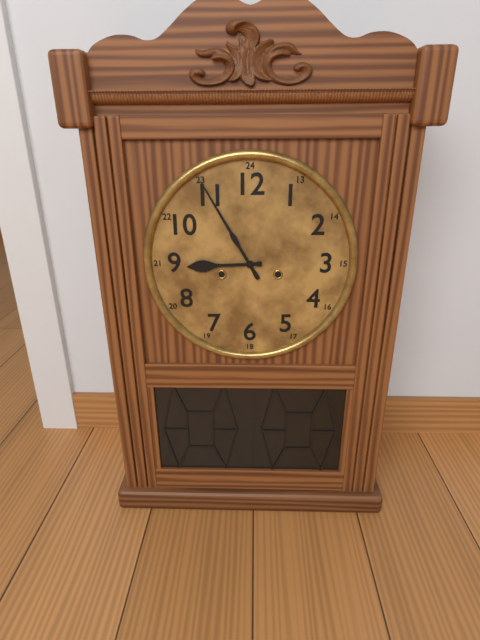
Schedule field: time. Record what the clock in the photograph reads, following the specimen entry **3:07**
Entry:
**8:55**
